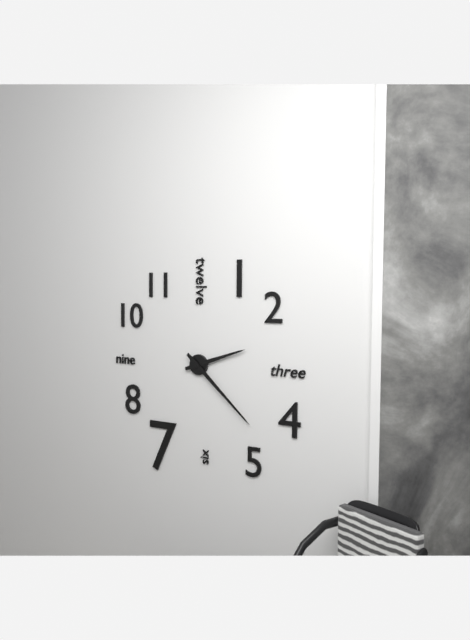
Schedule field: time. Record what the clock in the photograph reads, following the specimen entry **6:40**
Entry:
**2:22**
